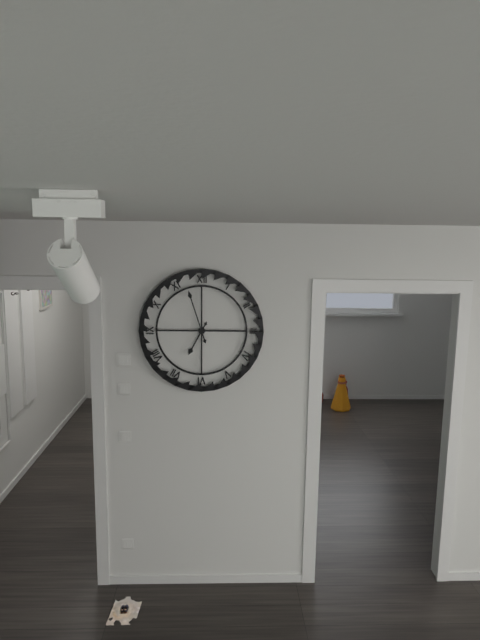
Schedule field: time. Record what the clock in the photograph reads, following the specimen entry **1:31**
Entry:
**6:57**
